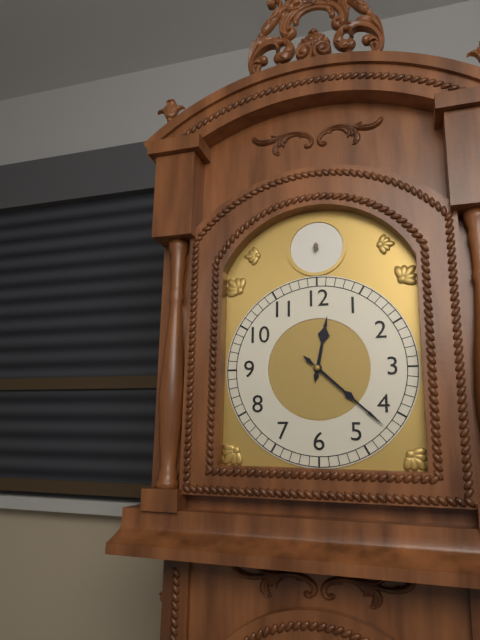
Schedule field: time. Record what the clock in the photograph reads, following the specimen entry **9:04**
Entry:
**12:22**
